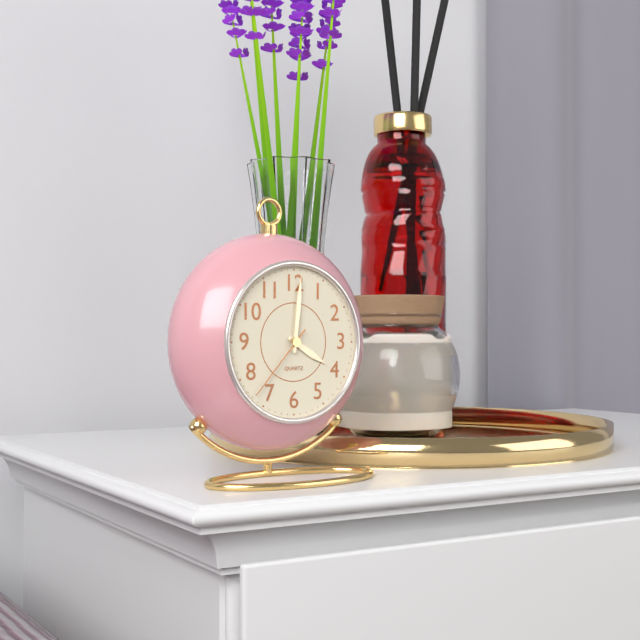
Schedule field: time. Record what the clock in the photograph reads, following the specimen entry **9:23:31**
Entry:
**4:01:37**
